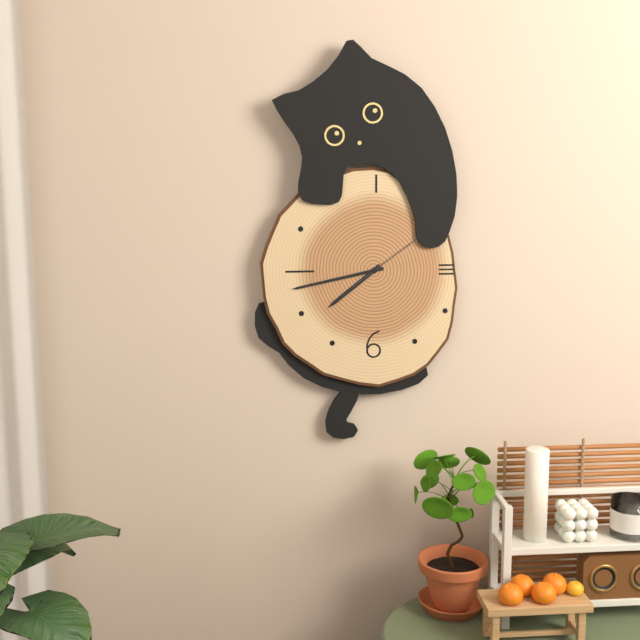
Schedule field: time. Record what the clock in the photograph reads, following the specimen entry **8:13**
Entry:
**7:43**
